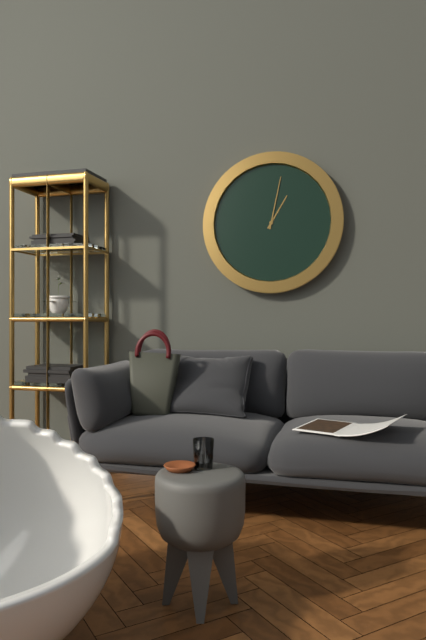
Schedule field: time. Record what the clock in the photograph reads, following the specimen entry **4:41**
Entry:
**1:02**
